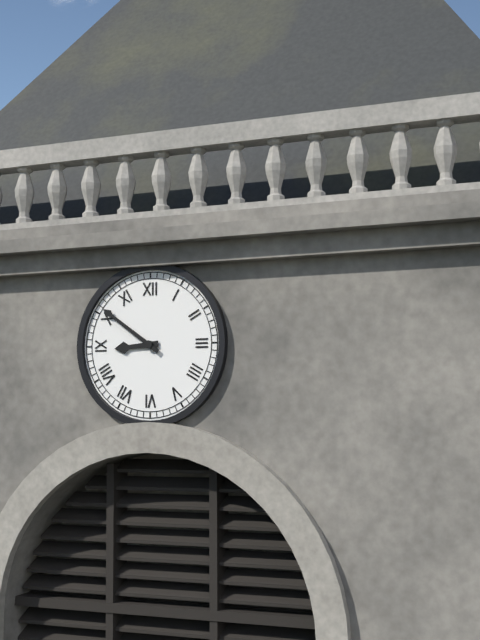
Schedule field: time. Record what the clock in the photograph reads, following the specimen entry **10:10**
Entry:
**8:51**
